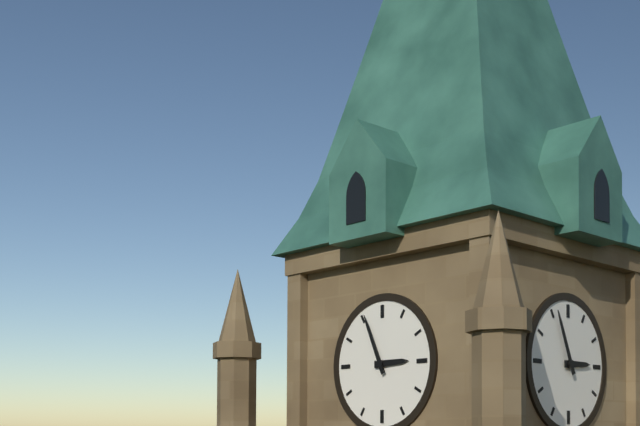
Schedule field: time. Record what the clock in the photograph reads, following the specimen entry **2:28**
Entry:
**2:56**
